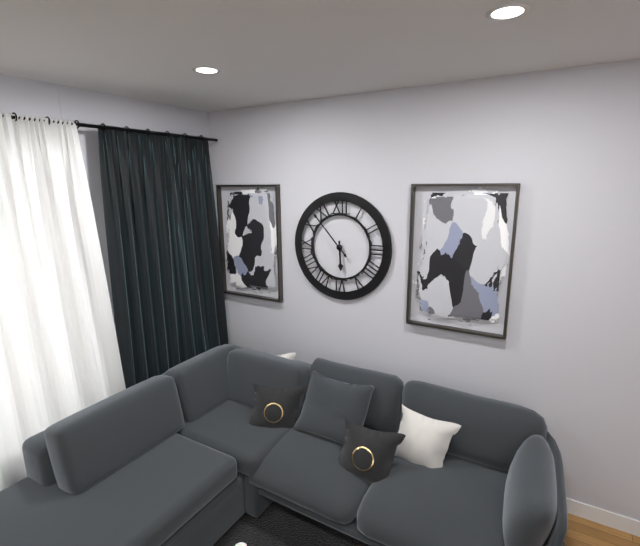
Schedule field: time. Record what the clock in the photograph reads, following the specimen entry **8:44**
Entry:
**5:53**
